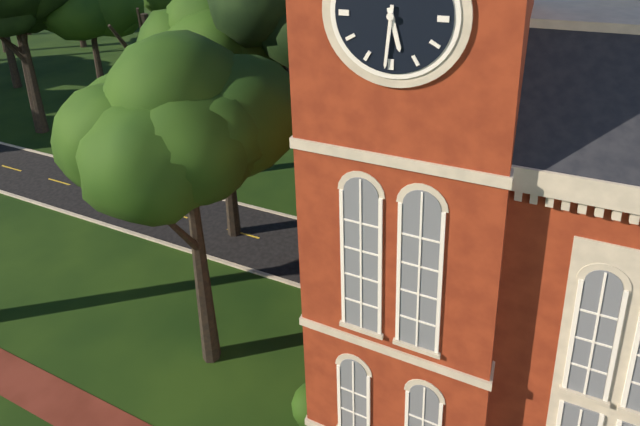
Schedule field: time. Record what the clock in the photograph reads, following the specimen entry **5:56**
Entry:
**5:31**
